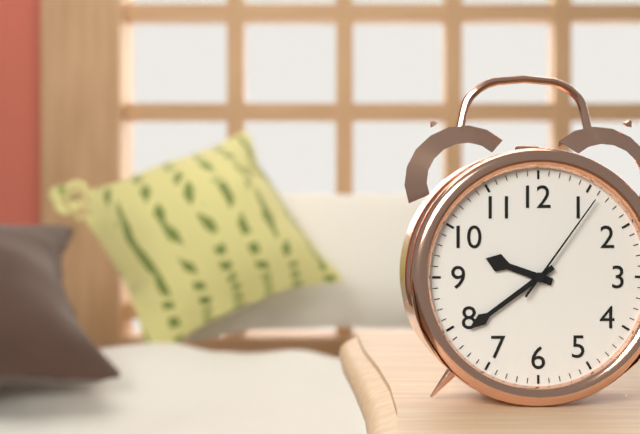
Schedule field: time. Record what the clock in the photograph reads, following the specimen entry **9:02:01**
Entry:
**9:39:06**
